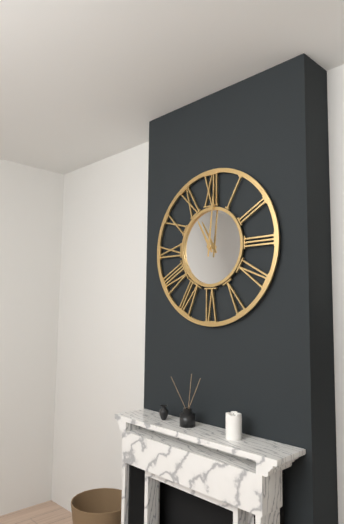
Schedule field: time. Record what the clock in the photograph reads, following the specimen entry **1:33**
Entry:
**11:01**
